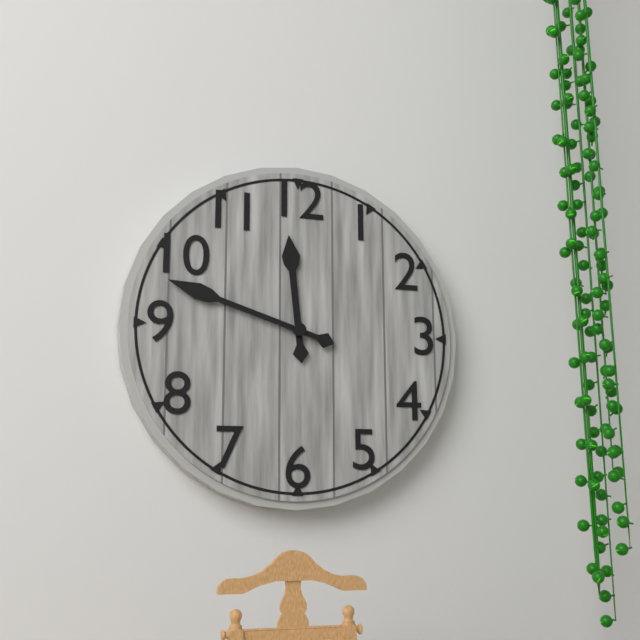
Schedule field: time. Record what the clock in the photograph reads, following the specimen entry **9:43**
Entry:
**11:48**
